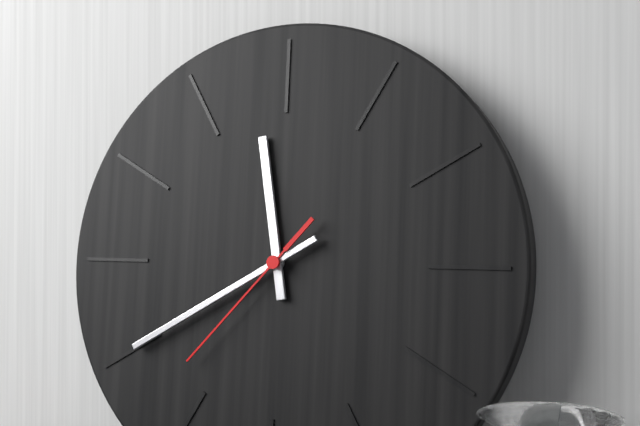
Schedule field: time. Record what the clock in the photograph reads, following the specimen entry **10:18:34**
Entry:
**11:40:37**
